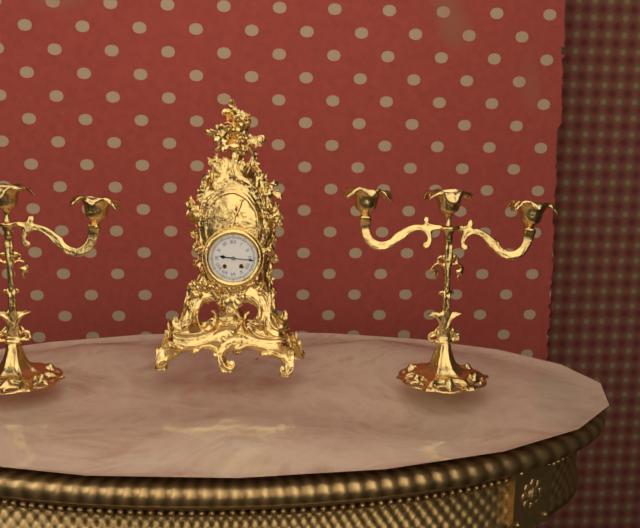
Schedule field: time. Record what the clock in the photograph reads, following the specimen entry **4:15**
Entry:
**9:16**
